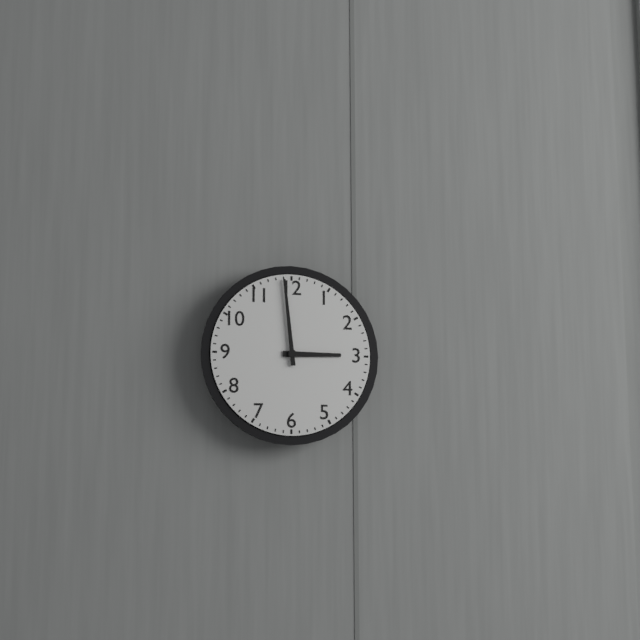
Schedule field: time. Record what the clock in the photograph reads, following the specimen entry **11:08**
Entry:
**2:59**
